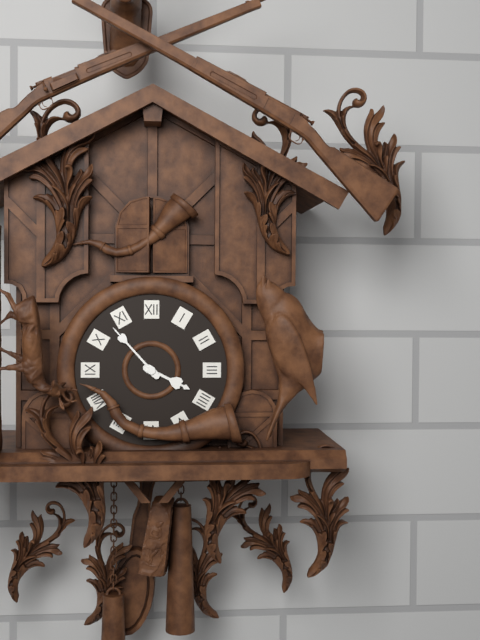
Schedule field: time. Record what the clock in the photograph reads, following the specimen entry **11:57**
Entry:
**3:53**
